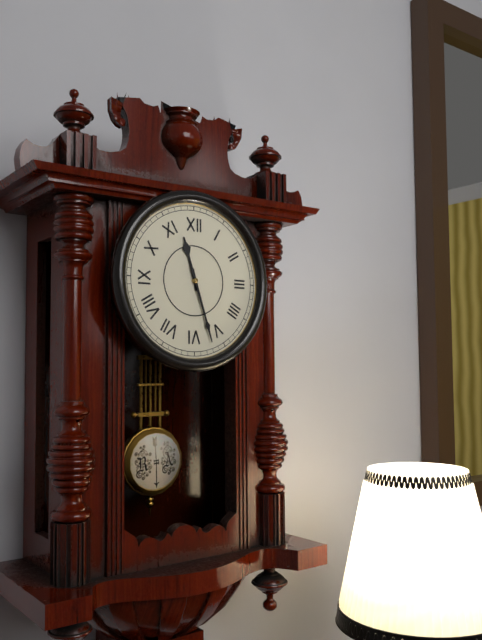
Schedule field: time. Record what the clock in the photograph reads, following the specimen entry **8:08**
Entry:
**11:27**
